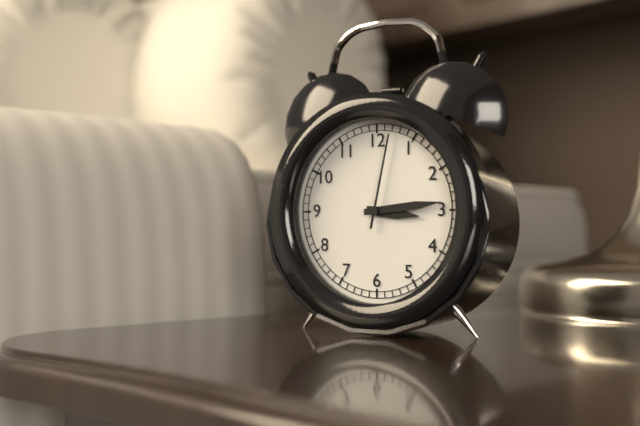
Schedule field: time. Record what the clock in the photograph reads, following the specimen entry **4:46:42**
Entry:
**3:14:02**
